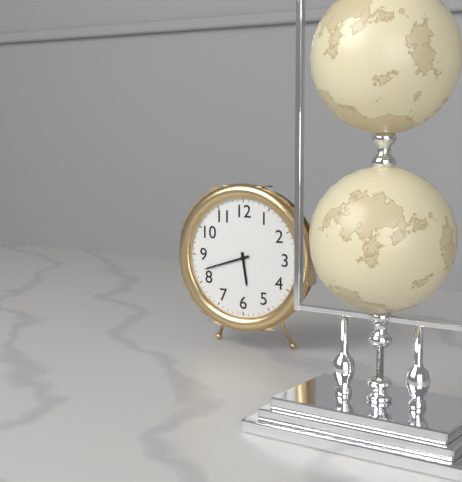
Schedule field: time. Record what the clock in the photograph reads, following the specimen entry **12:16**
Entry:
**5:42**
